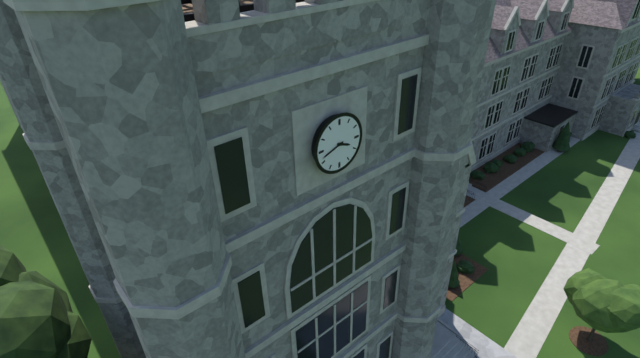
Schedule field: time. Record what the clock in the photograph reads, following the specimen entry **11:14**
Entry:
**3:42**
